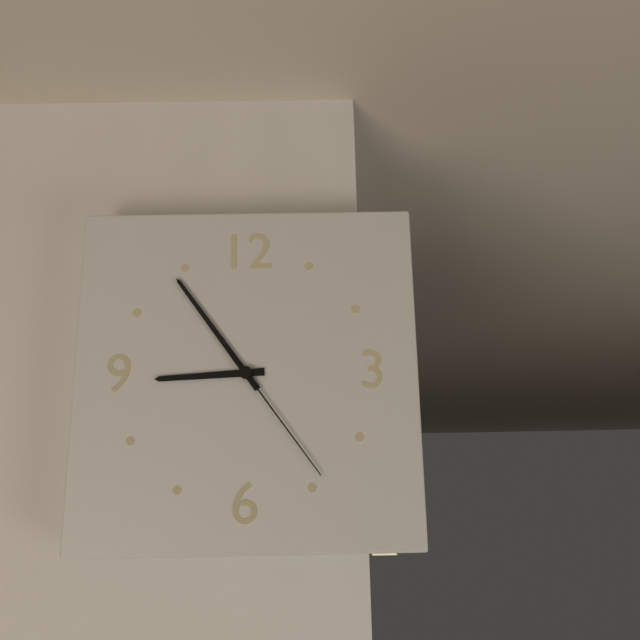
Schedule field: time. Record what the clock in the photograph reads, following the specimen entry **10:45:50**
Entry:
**8:54:24**
